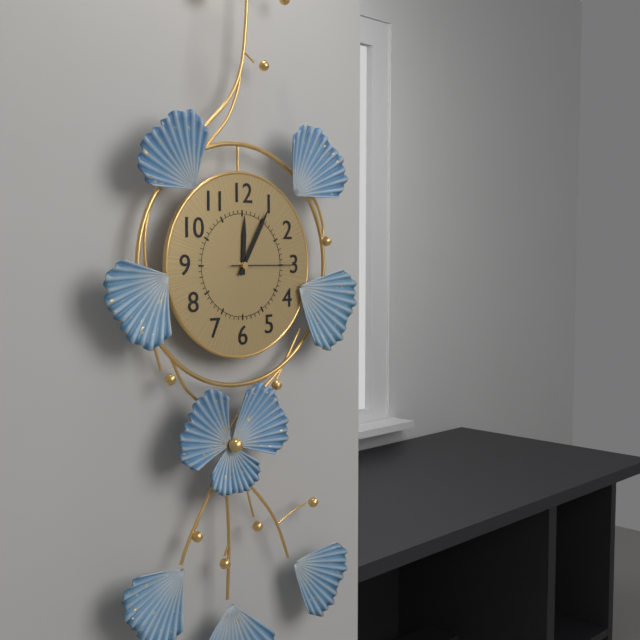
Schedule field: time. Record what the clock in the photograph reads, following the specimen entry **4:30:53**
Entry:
**12:05:15**
